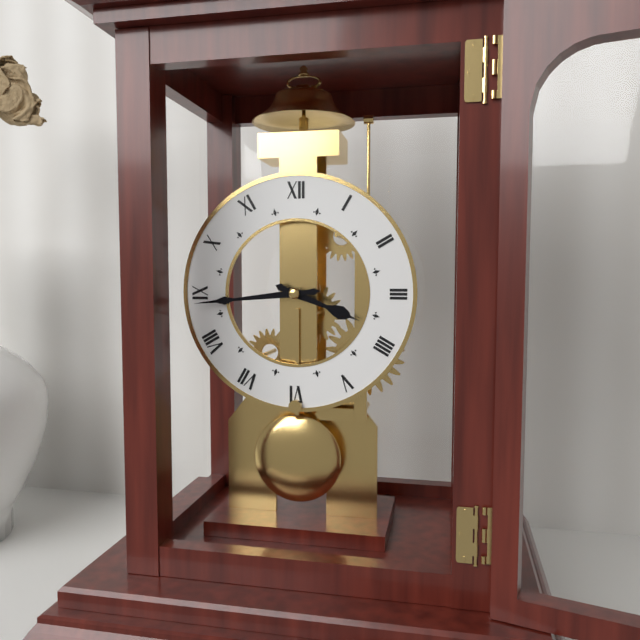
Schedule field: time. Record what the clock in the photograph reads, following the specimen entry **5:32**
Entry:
**3:44**
